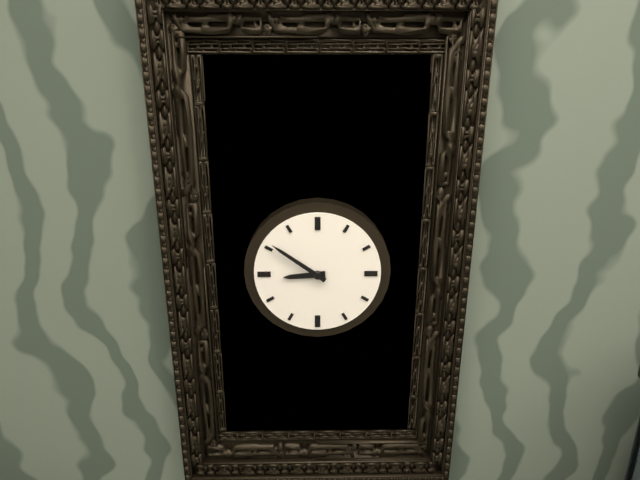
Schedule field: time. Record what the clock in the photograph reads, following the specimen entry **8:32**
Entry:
**8:51**
